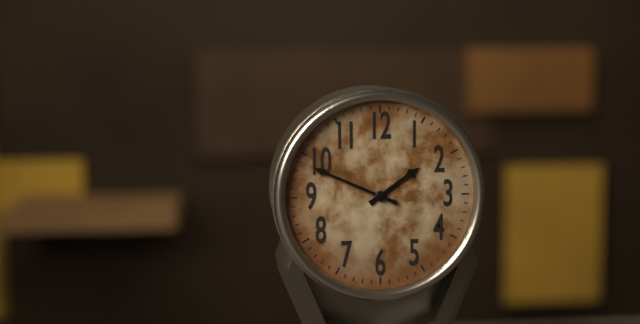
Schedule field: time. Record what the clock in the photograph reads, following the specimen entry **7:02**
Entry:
**1:49**
